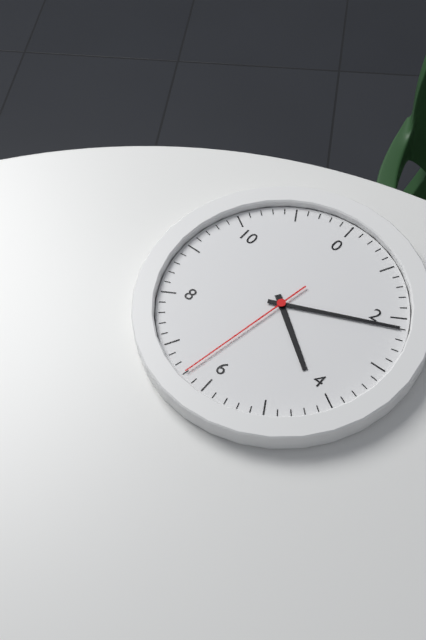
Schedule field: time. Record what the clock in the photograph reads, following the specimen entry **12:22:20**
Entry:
**4:11:32**
